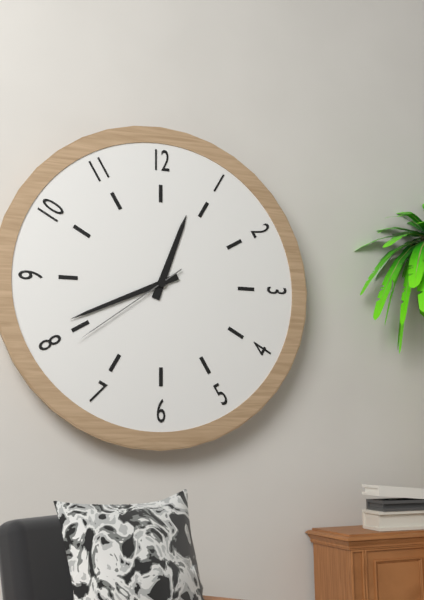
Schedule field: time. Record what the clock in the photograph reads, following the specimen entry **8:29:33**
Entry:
**12:41:39**
